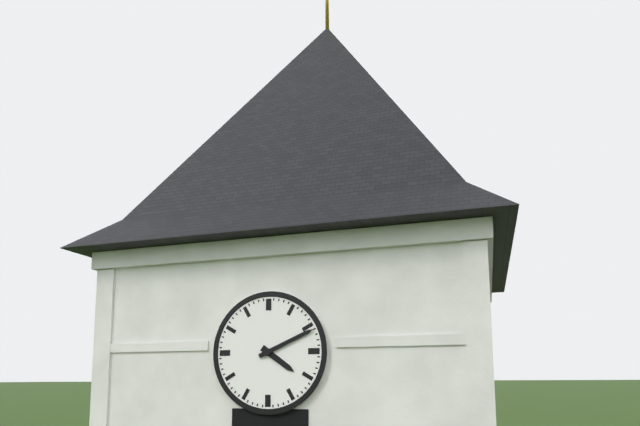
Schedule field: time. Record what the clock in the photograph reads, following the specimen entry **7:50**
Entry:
**4:11**
